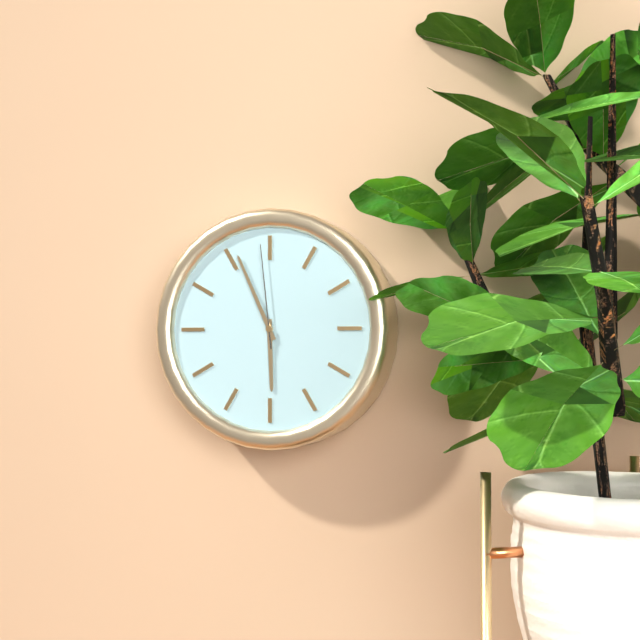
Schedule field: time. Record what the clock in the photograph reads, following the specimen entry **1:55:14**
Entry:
**5:56:59**
